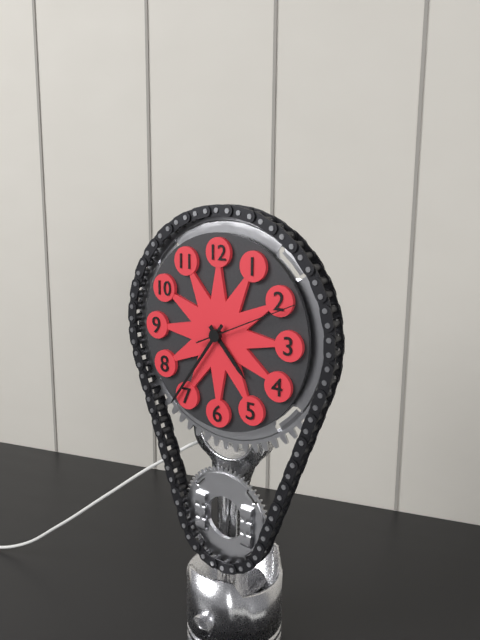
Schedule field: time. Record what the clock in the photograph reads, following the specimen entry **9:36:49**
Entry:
**4:36:11**
